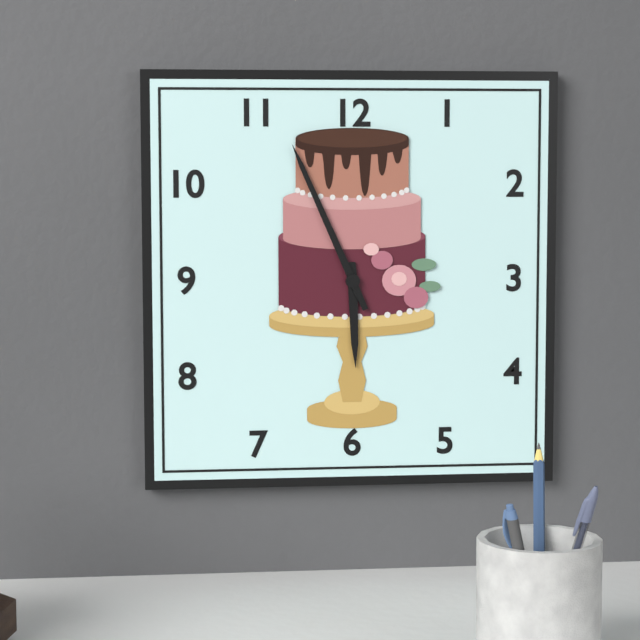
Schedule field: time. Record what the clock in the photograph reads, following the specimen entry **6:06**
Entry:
**5:56**
